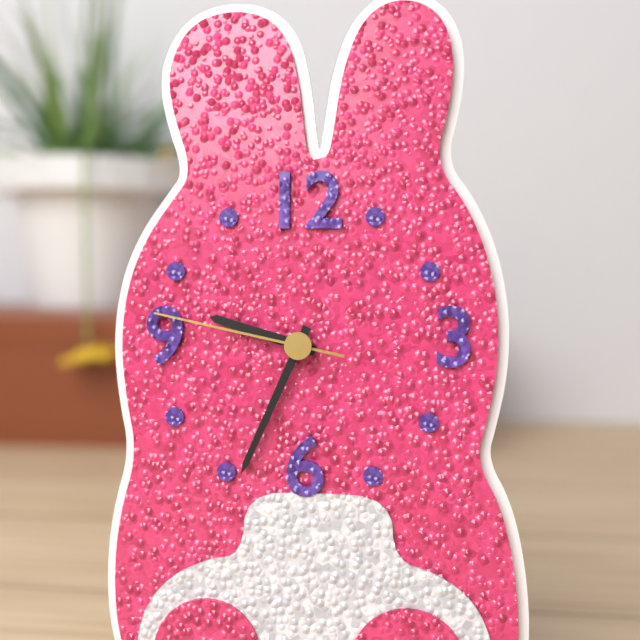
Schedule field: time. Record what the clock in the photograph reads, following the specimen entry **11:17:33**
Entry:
**9:34:47**
